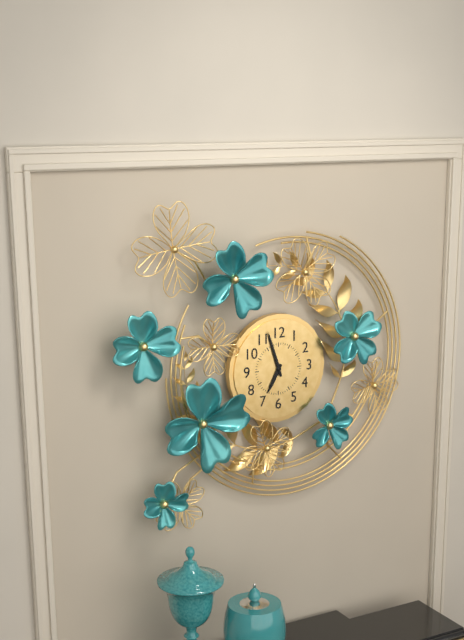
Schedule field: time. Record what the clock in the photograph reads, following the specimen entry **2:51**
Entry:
**6:57**
